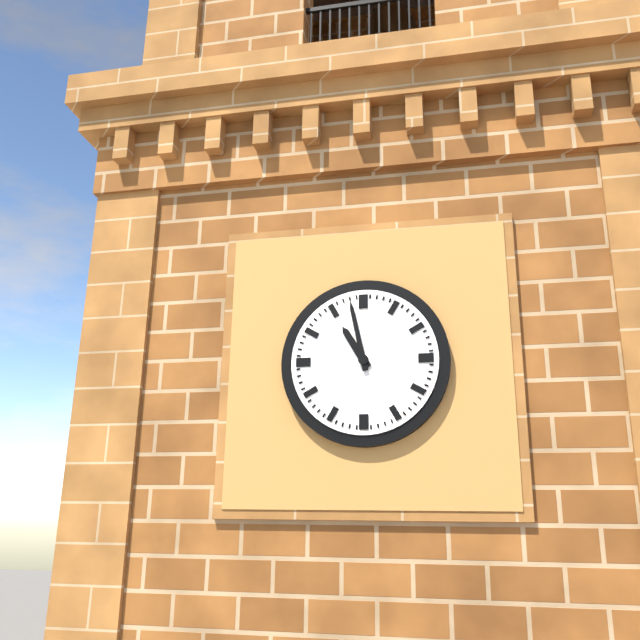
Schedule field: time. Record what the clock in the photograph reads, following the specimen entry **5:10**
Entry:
**10:58**
